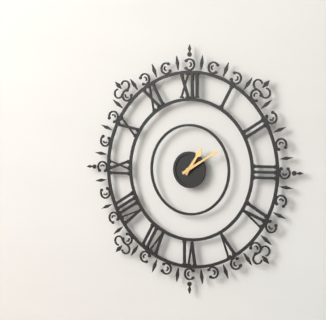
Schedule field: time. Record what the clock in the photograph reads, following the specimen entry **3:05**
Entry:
**1:10**
